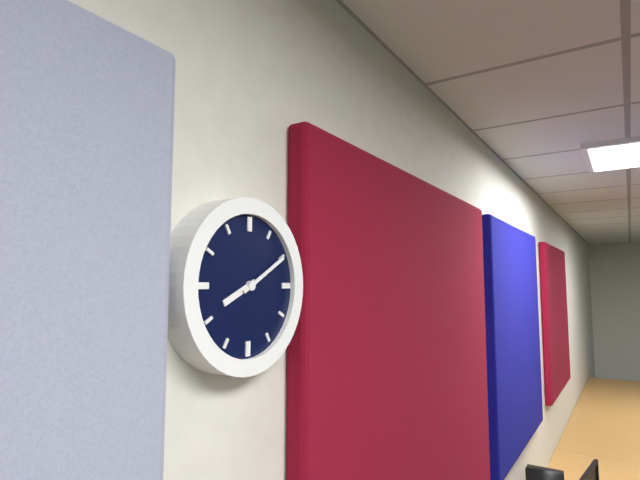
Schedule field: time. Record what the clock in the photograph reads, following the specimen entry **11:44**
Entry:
**8:10**
